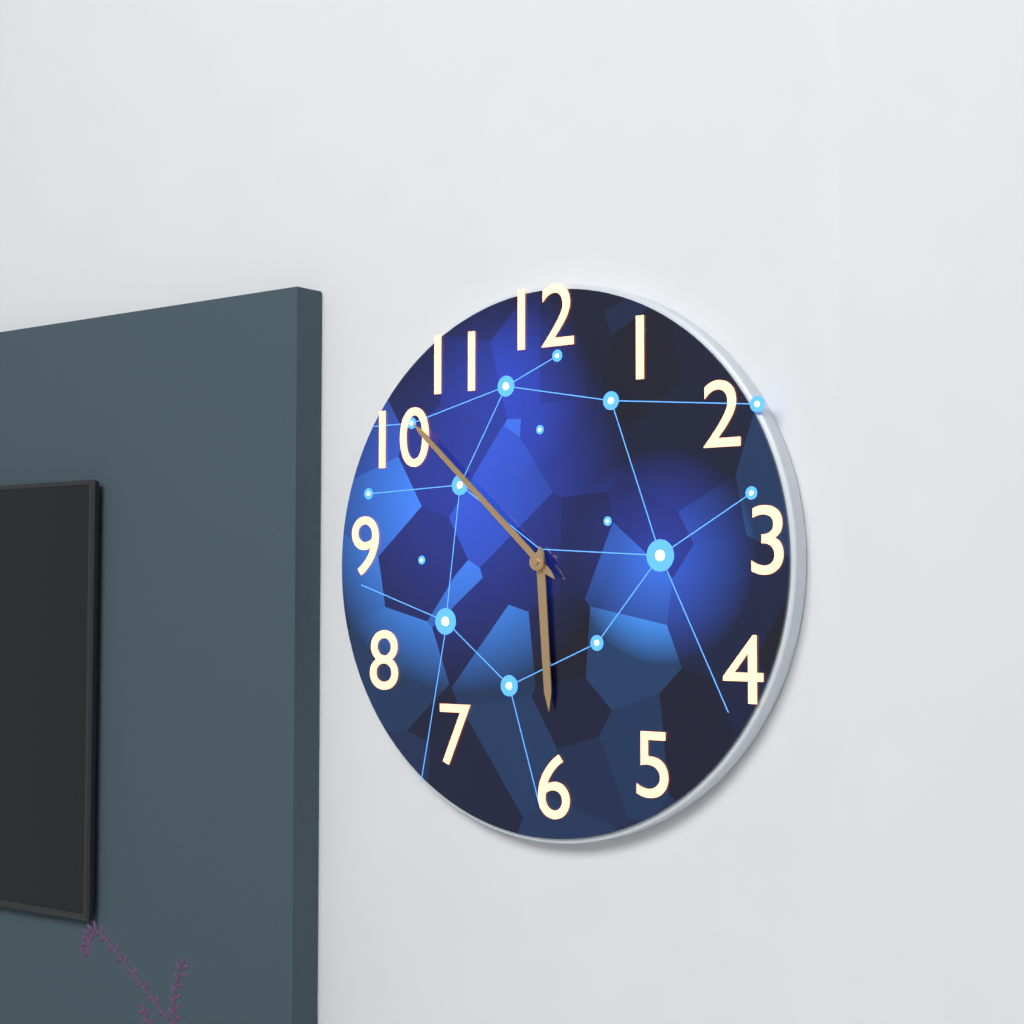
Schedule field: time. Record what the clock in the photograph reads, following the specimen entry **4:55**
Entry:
**5:52**
